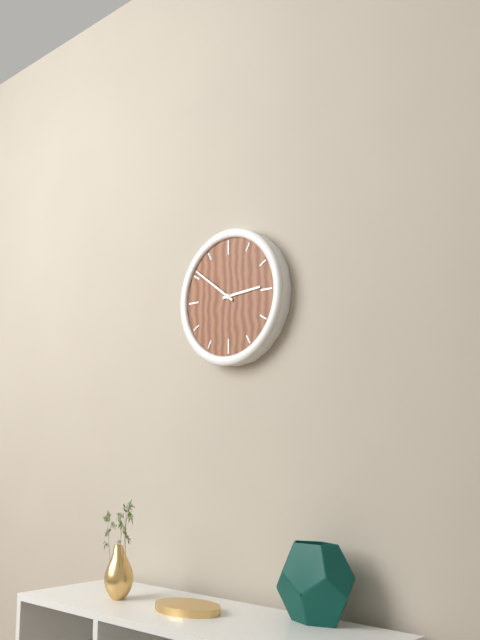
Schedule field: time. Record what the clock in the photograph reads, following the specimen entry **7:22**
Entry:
**2:51**
